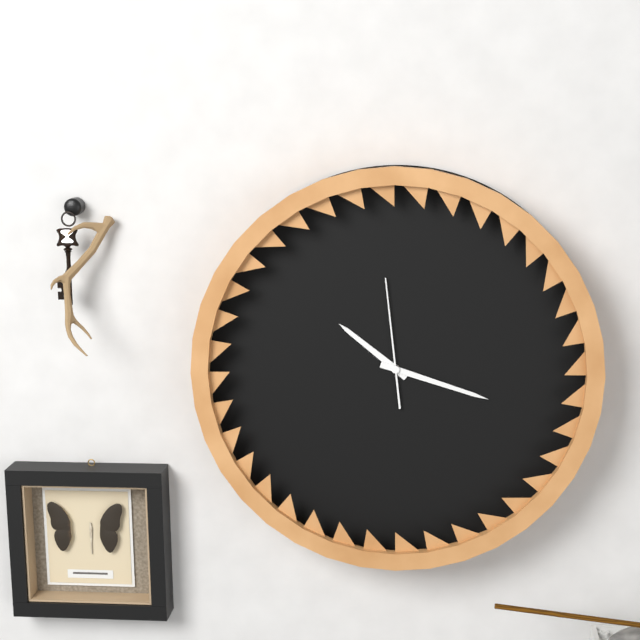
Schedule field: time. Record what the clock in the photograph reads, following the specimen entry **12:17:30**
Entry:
**10:18:59**
